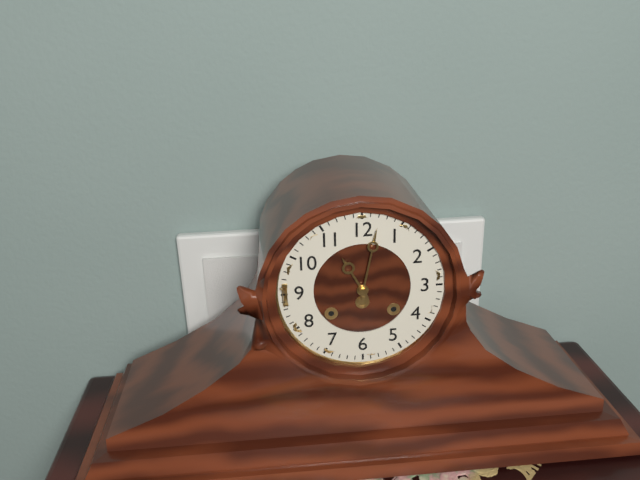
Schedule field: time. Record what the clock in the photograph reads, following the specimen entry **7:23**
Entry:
**11:02**
